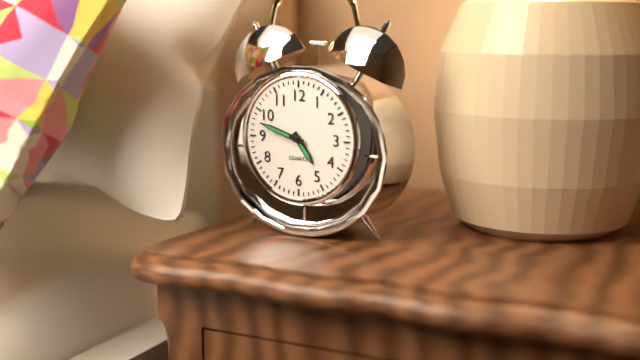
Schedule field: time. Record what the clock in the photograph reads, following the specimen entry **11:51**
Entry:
**4:48**
